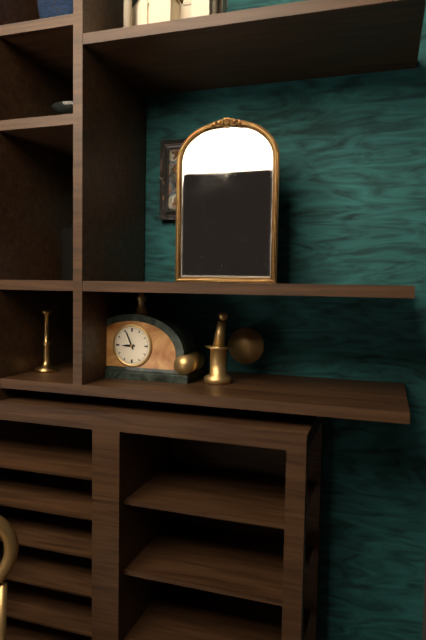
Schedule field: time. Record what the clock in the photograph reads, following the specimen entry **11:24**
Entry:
**8:56**
